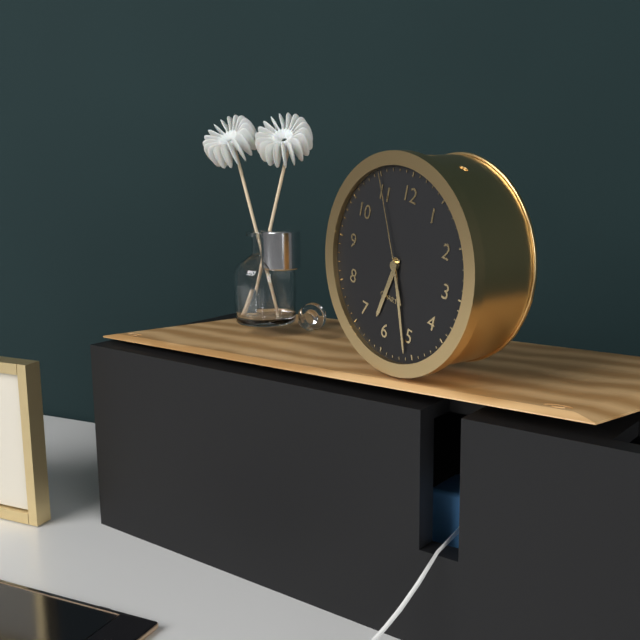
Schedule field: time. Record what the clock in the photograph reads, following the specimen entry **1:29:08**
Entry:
**6:26:55**
